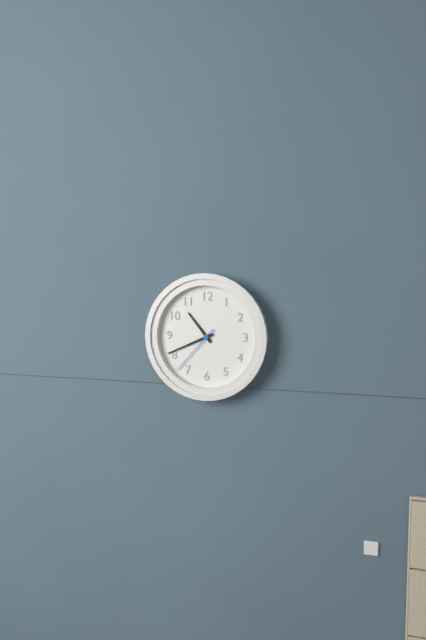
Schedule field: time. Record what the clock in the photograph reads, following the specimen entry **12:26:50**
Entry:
**10:41:37**
